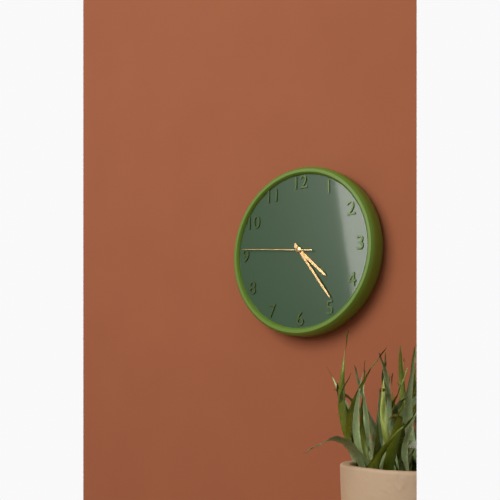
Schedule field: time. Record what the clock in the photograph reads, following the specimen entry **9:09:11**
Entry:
**4:24:46**
